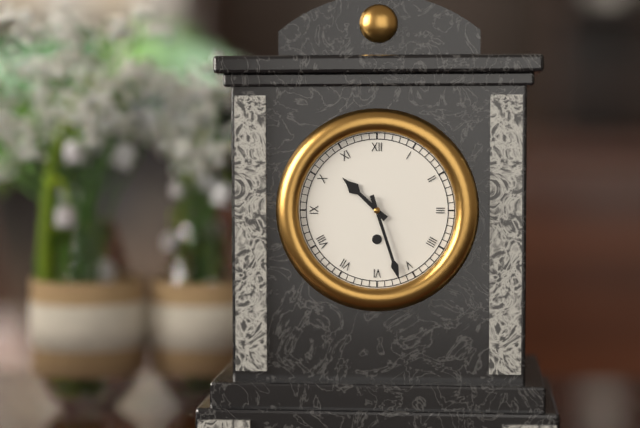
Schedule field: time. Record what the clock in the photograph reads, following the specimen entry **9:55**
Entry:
**10:27**
